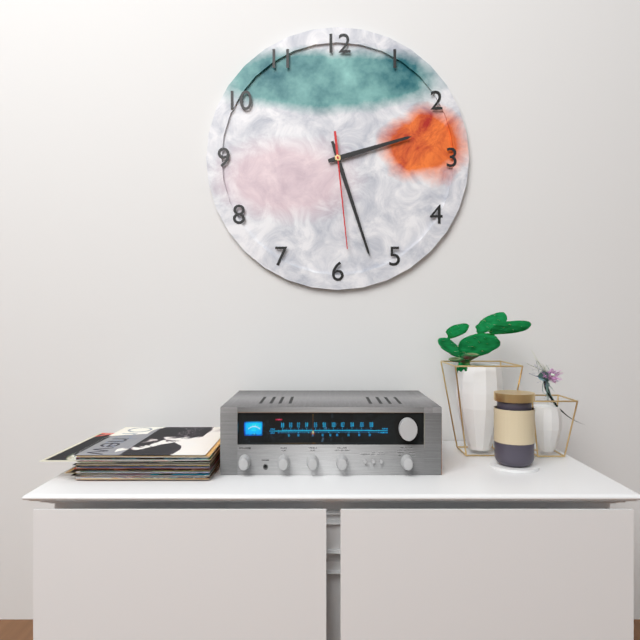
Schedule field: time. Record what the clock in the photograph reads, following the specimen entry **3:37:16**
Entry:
**2:27:29**
